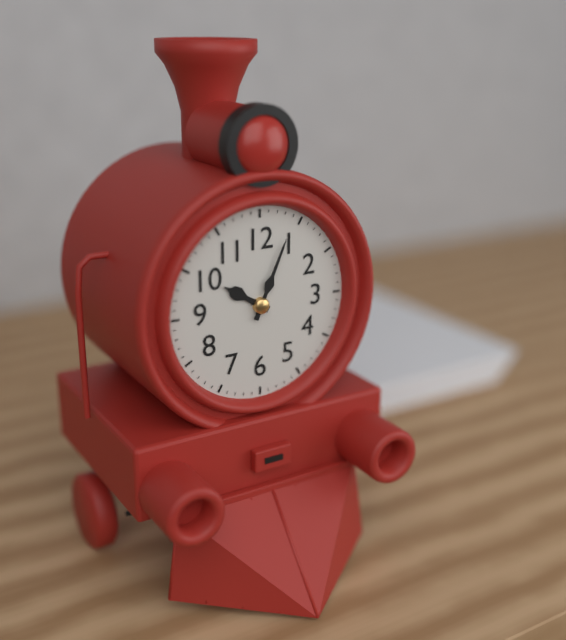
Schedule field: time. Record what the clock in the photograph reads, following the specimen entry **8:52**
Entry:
**10:04**
